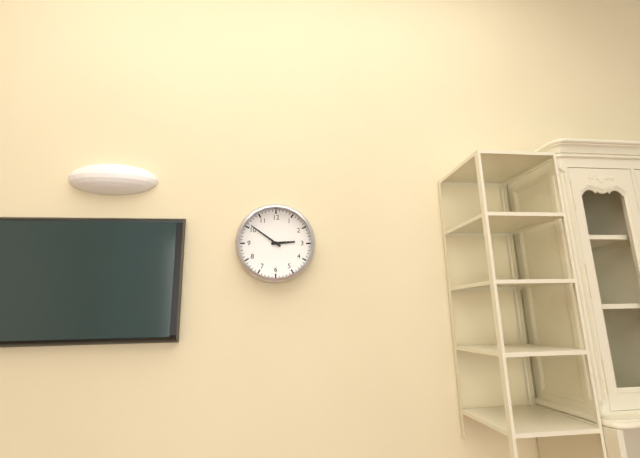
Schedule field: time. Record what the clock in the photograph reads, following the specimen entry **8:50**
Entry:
**2:51**
